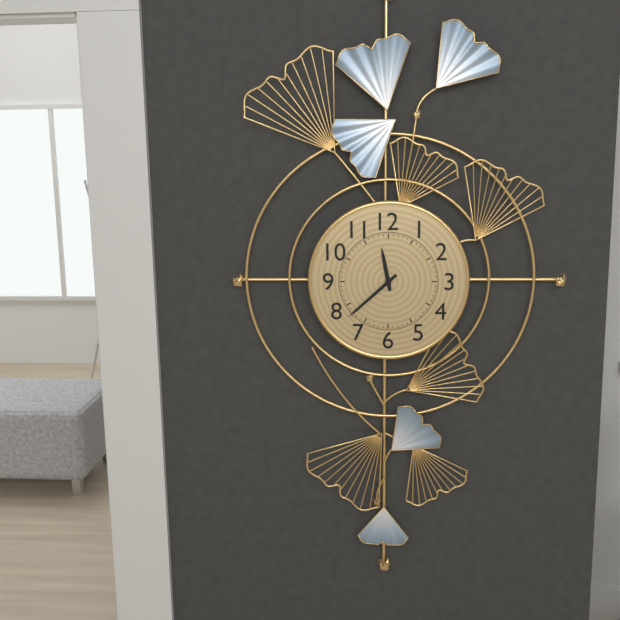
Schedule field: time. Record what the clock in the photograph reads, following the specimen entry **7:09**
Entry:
**11:38**
